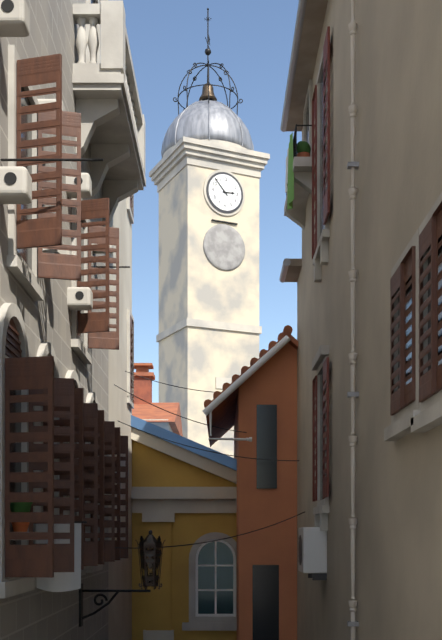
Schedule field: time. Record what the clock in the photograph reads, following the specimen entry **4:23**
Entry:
**2:53**
